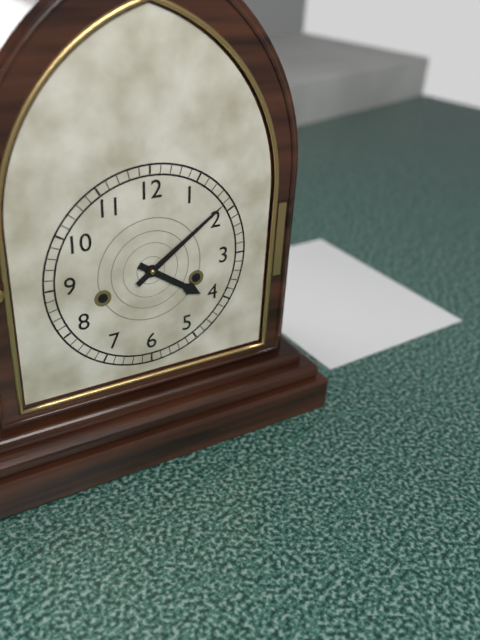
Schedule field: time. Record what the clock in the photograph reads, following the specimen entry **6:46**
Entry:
**4:09**
